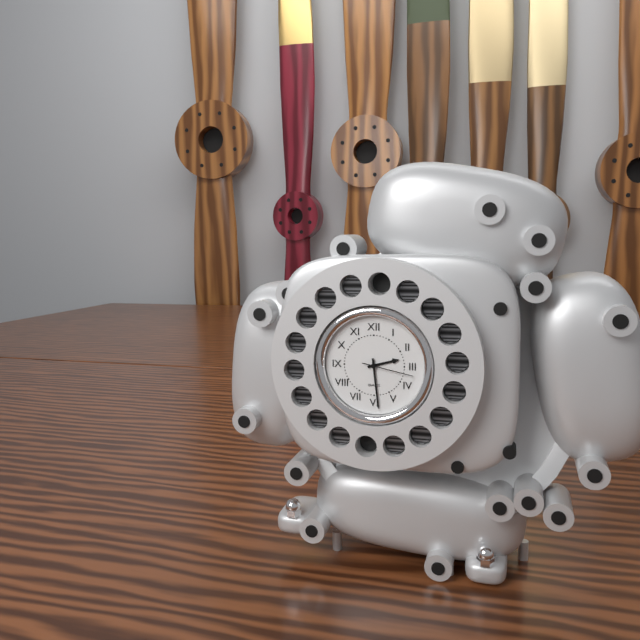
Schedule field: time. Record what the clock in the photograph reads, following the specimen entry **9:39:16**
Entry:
**2:29:17**
